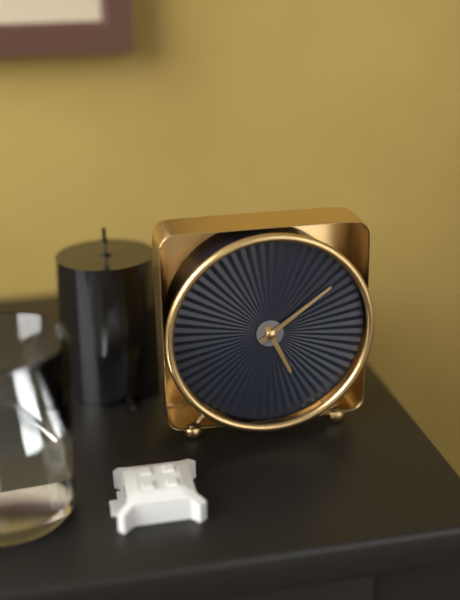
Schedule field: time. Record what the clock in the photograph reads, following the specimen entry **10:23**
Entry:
**5:09**
